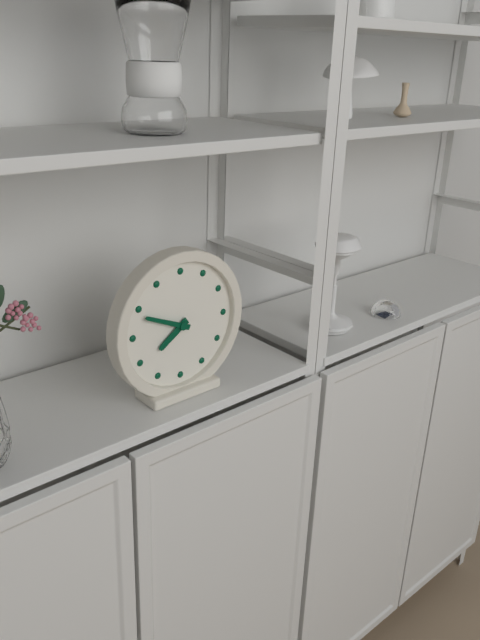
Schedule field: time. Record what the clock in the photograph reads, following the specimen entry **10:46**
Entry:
**7:49**
